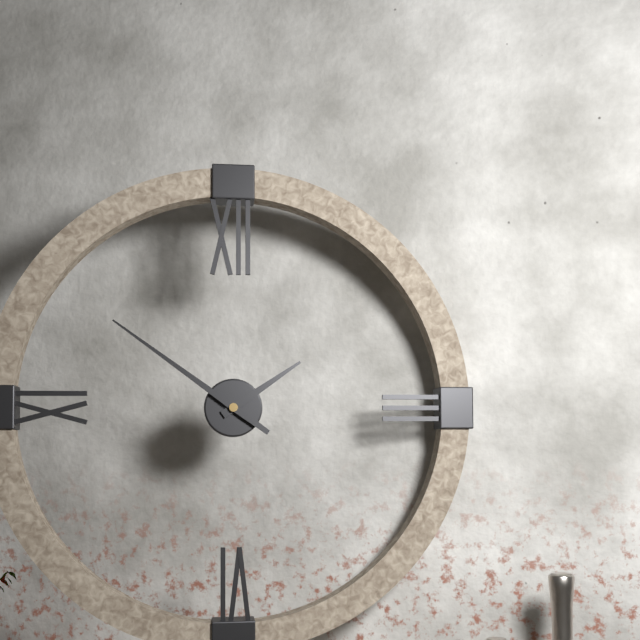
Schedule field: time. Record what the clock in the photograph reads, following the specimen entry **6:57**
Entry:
**1:51**
